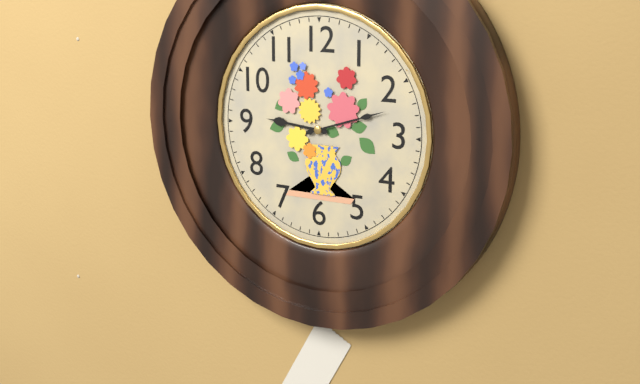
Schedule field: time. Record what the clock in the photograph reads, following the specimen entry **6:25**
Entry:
**9:12**
